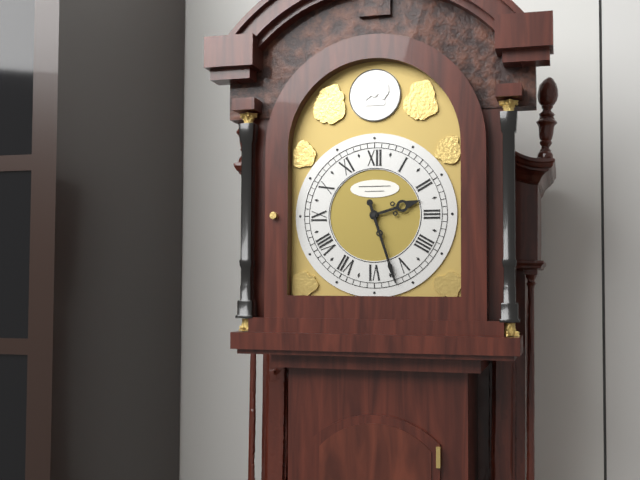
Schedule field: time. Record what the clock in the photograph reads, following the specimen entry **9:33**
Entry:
**2:27**
